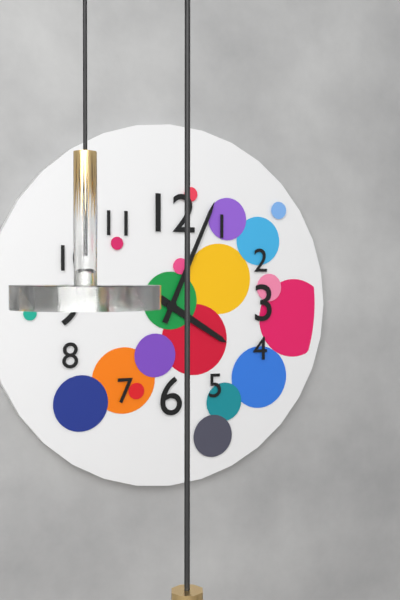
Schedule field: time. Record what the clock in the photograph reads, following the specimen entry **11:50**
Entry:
**4:04**
